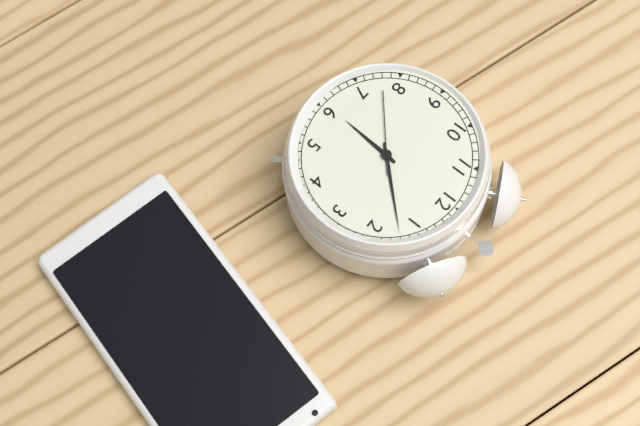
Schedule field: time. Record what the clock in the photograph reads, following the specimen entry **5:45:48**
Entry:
**6:07:38**
